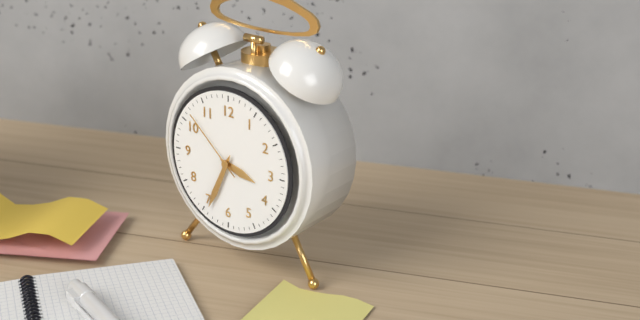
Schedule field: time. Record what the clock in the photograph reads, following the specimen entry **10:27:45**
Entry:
**3:34:52**
